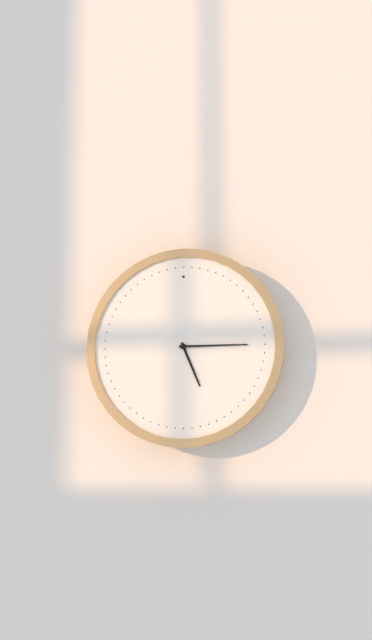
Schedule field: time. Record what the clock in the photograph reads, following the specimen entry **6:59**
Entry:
**5:15**
